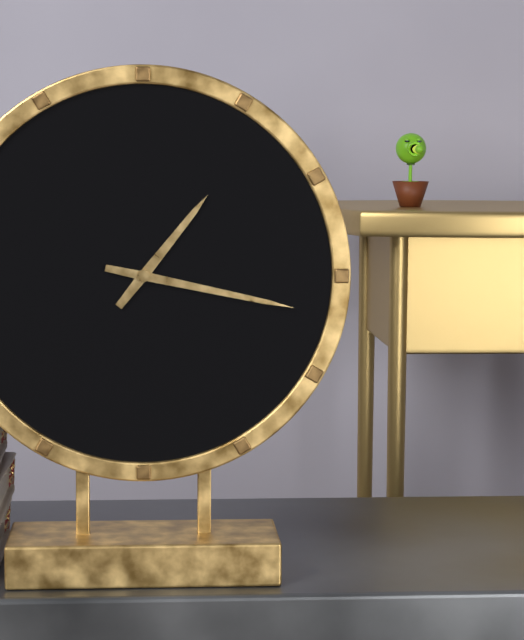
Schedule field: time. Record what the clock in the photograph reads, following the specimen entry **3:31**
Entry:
**1:17**
